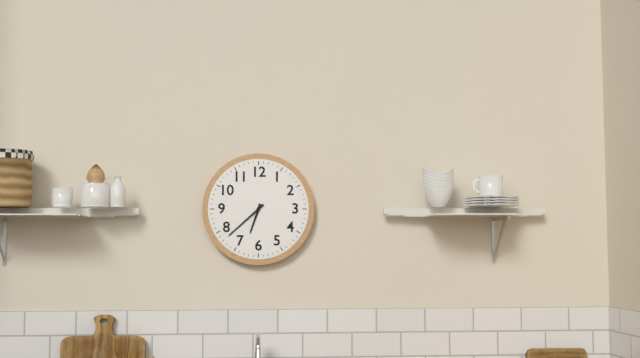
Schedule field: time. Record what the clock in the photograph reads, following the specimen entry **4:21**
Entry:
**6:38**
